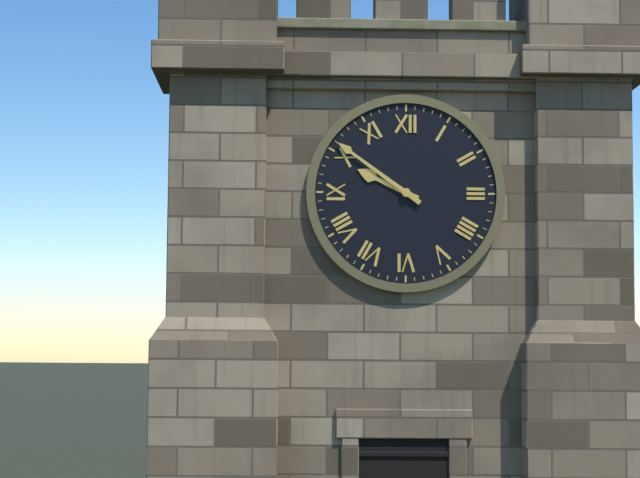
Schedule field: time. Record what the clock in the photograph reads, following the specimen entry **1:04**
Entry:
**9:51**
